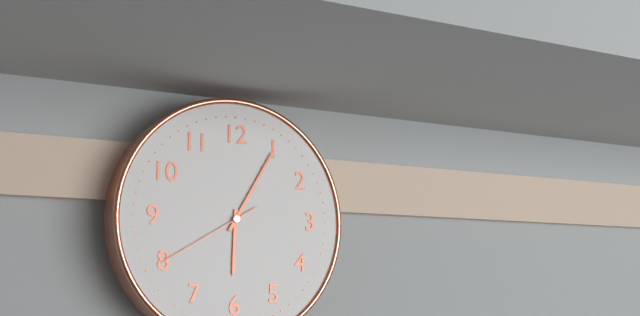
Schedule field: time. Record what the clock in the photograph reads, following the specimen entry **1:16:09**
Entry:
**6:05:40**
